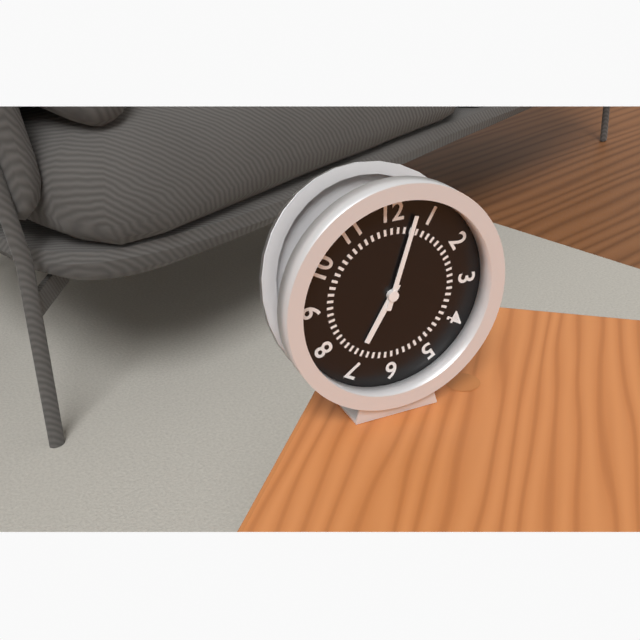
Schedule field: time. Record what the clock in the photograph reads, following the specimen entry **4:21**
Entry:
**7:03**
